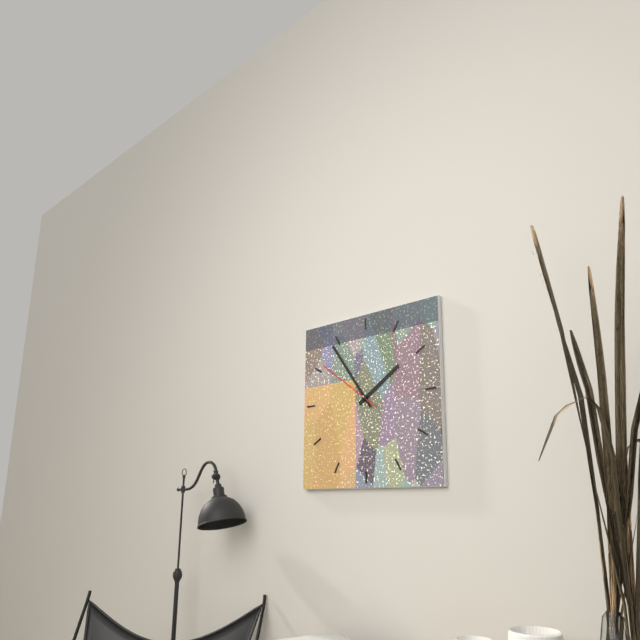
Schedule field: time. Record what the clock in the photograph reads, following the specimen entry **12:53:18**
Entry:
**1:54:51**
